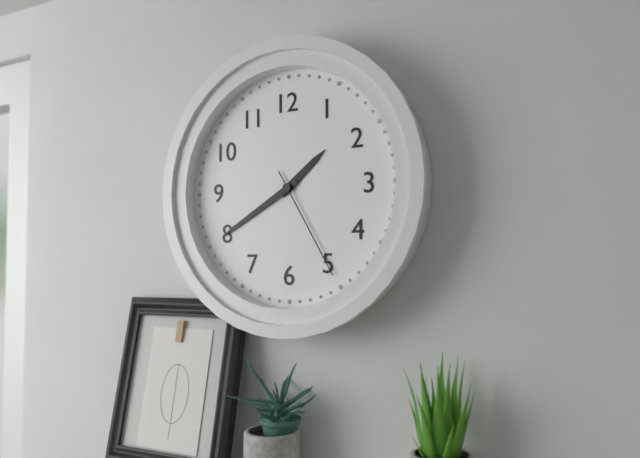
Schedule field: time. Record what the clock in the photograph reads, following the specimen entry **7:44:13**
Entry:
**1:40:25**
